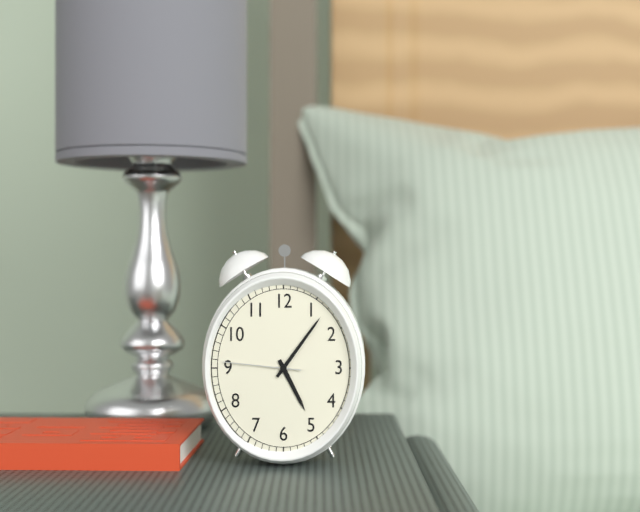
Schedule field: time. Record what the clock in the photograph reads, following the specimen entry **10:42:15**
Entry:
**5:06:46**
